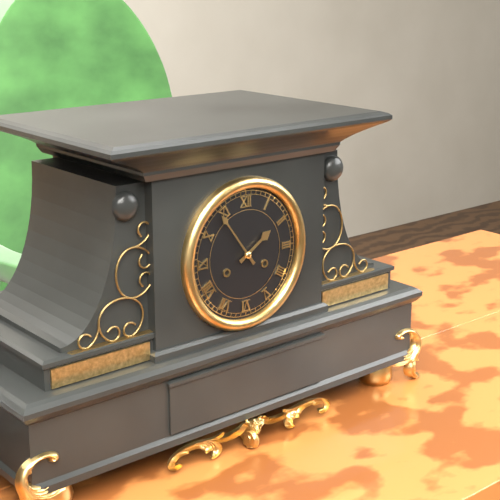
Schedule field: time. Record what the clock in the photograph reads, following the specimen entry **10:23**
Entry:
**1:54**
